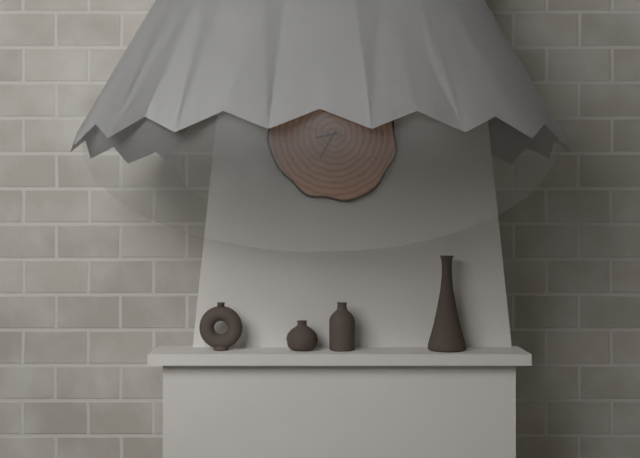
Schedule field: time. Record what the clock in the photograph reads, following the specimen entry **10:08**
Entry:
**8:35**
